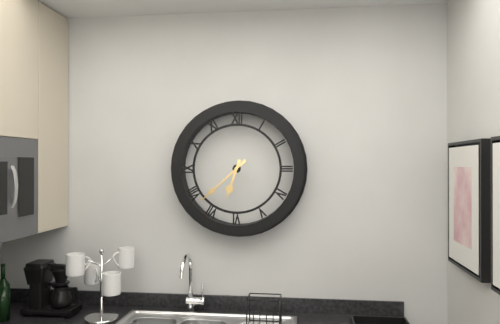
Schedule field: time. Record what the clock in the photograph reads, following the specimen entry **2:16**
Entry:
**6:38**
